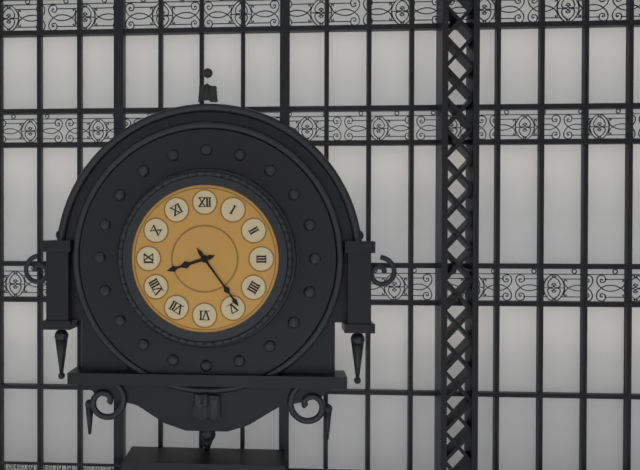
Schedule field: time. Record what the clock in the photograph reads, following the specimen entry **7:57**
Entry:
**8:24**
